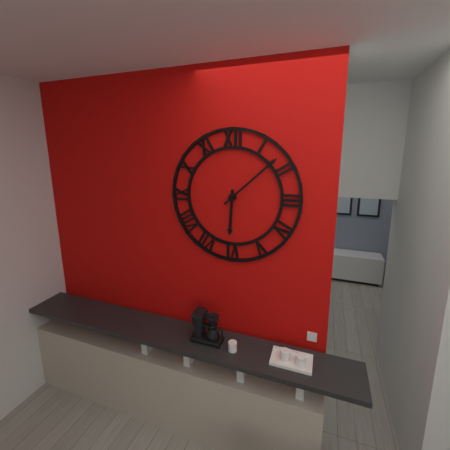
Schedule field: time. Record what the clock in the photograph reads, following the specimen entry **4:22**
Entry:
**6:08**
